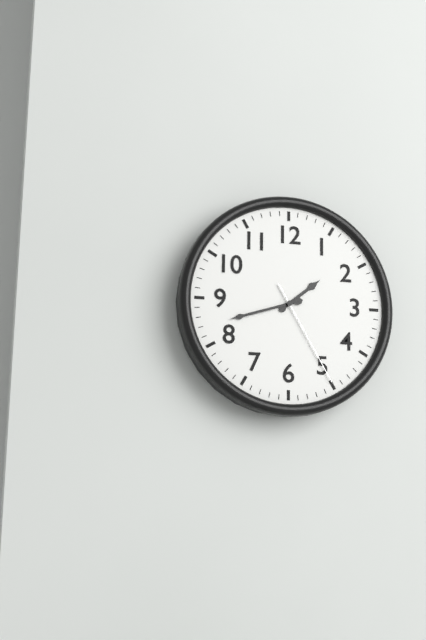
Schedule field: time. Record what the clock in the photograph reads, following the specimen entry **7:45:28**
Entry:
**1:42:25**
